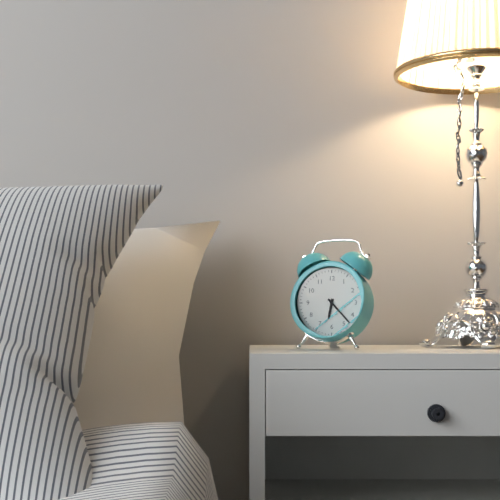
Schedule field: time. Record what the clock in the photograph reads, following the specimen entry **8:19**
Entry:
**6:23**
